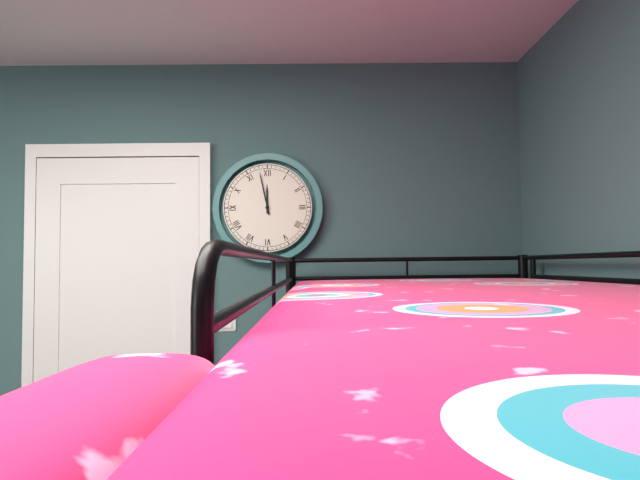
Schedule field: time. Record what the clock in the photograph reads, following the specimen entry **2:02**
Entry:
**11:58**
